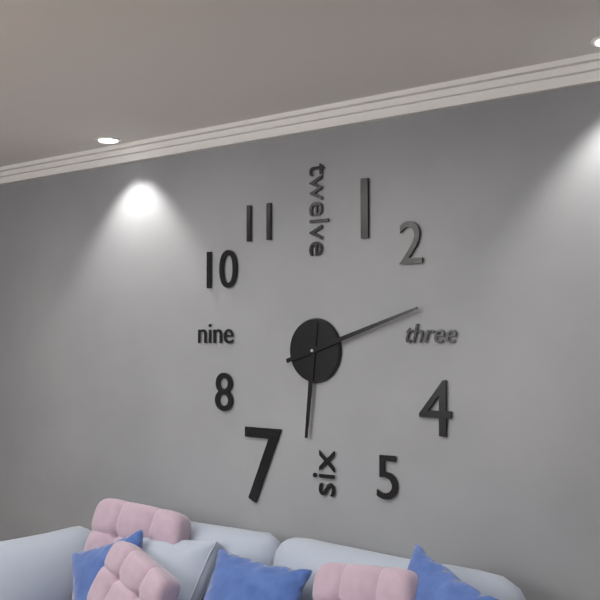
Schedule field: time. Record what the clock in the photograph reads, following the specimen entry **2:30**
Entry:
**6:12**
